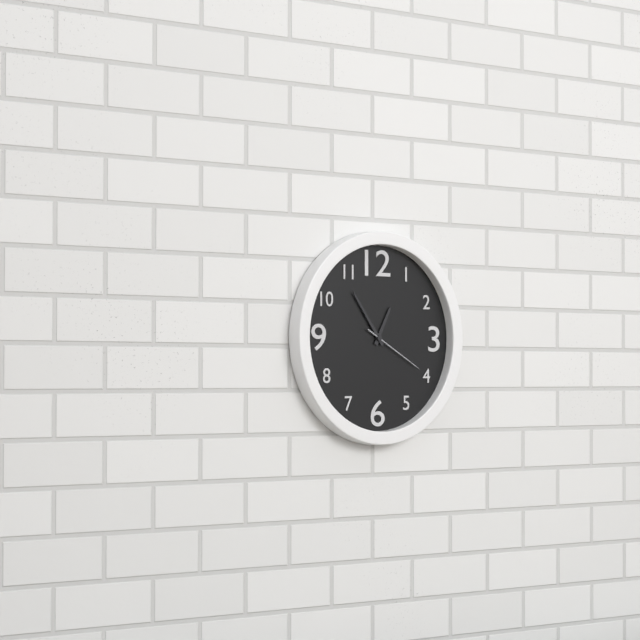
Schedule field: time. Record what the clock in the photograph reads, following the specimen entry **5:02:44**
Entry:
**12:54:20**
